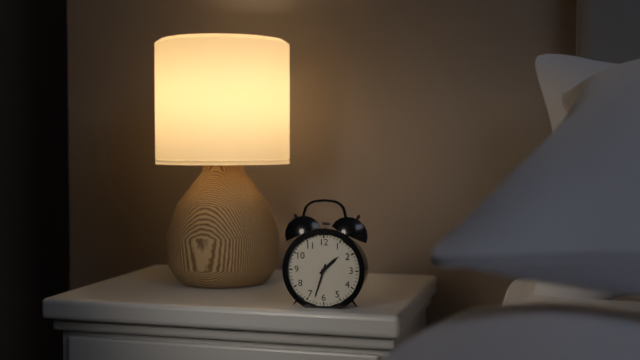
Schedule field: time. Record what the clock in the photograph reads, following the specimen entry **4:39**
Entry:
**1:33**
